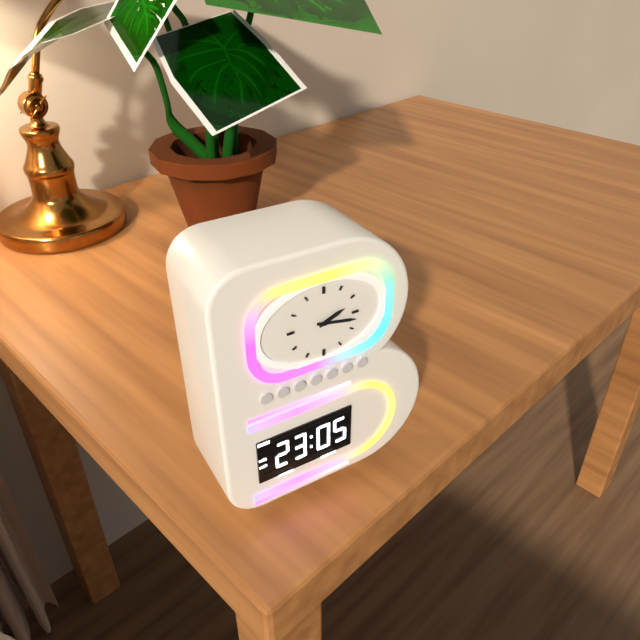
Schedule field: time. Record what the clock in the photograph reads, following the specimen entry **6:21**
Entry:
**2:17**
